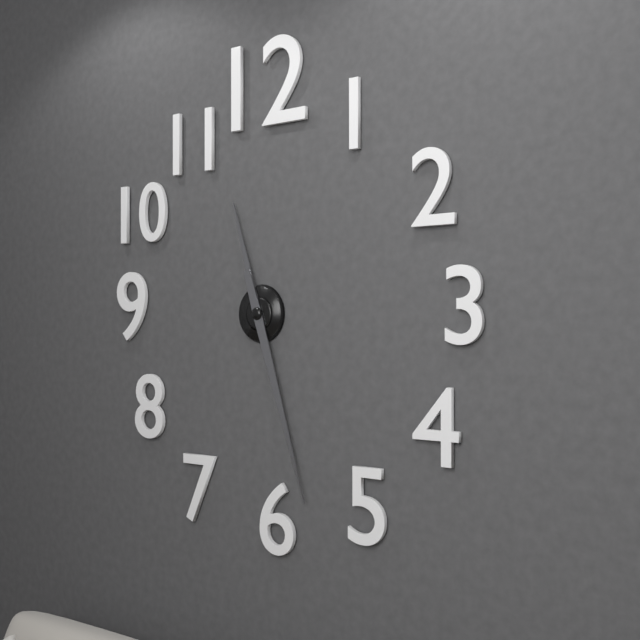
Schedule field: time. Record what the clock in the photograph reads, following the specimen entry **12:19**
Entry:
**11:27**
